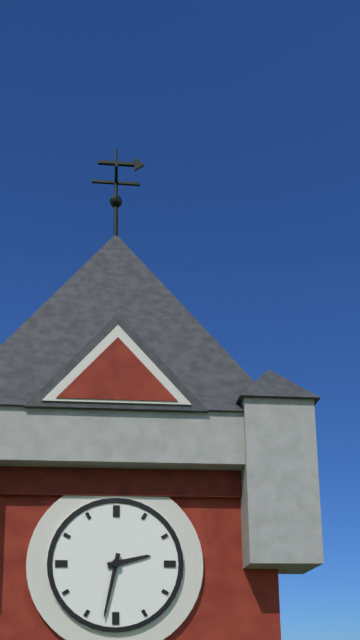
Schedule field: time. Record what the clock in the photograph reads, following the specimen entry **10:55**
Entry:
**2:32**
